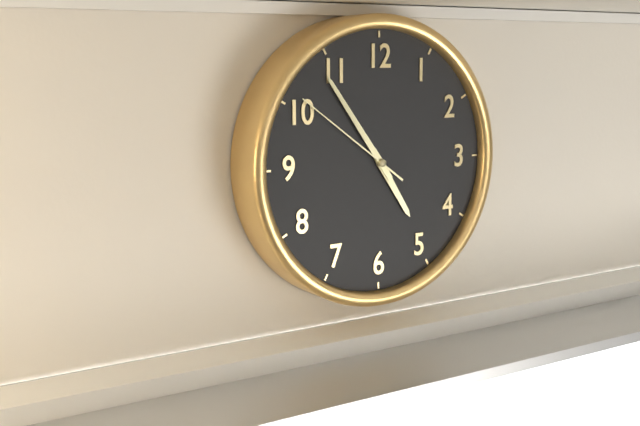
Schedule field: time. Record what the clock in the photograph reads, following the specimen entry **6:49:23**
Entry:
**4:54:51**
